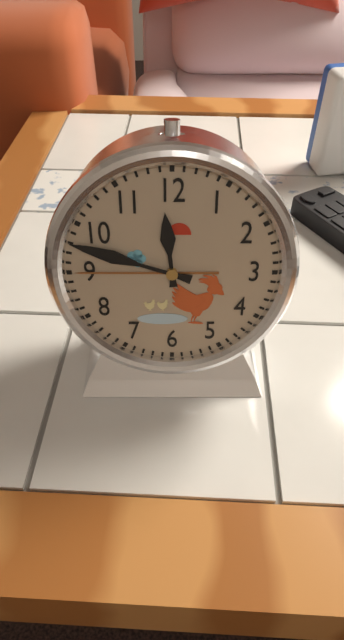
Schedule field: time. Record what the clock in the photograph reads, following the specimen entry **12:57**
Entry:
**11:48**
